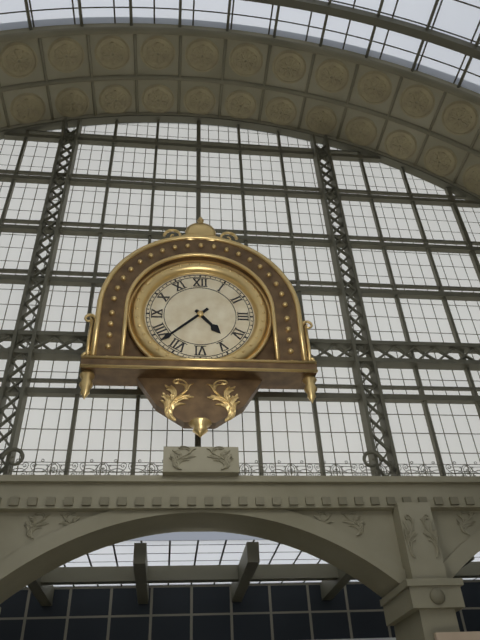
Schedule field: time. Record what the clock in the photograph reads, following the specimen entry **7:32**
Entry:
**4:38**
